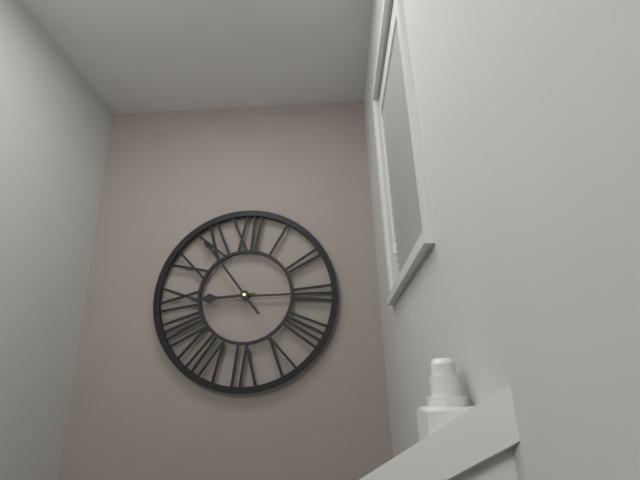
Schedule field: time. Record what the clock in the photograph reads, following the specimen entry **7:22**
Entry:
**8:54**
